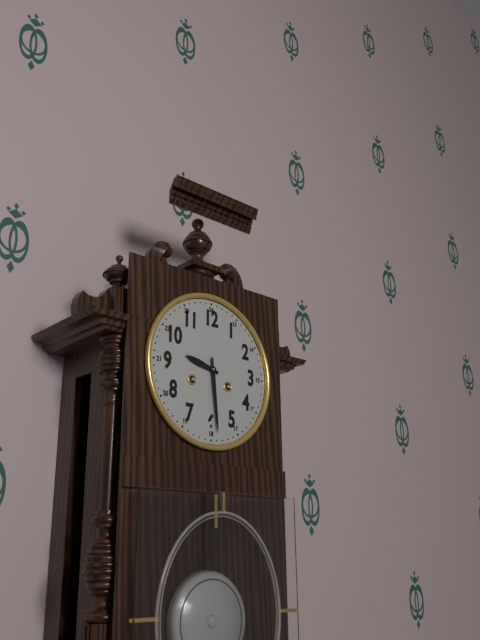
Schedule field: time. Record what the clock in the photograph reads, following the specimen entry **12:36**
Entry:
**9:29**
